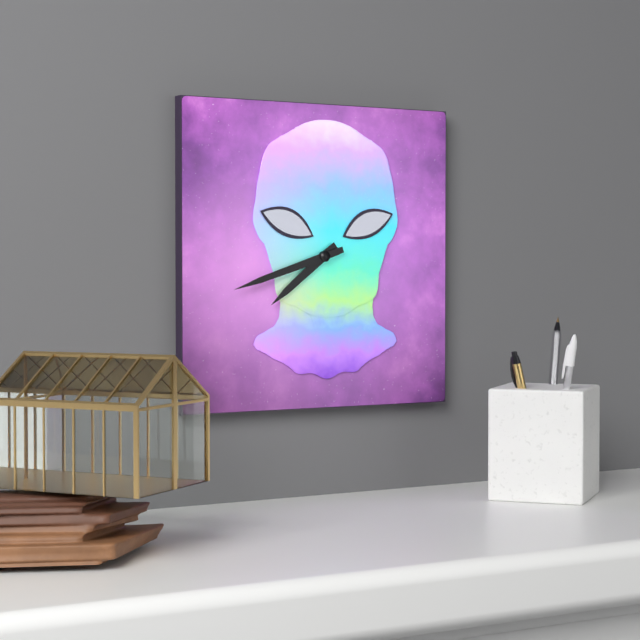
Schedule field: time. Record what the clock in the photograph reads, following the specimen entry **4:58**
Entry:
**7:42**
